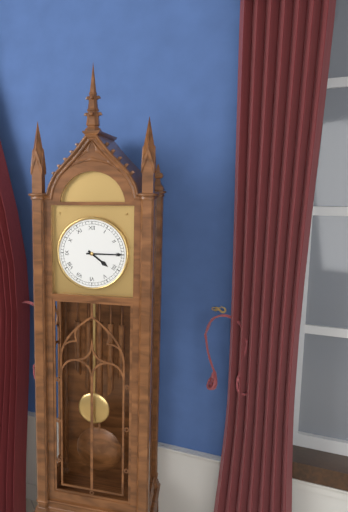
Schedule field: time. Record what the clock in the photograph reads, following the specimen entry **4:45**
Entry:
**4:15**
